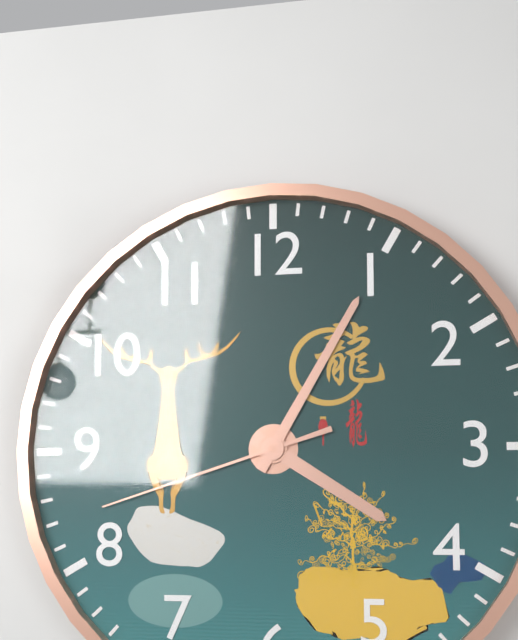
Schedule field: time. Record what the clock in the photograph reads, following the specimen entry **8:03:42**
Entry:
**4:05:42**
